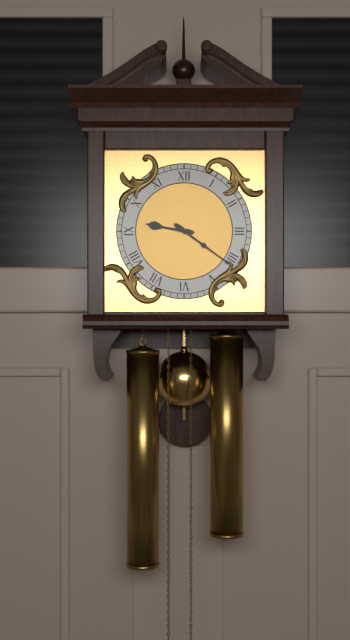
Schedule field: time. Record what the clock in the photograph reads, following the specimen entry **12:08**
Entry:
**9:21**
